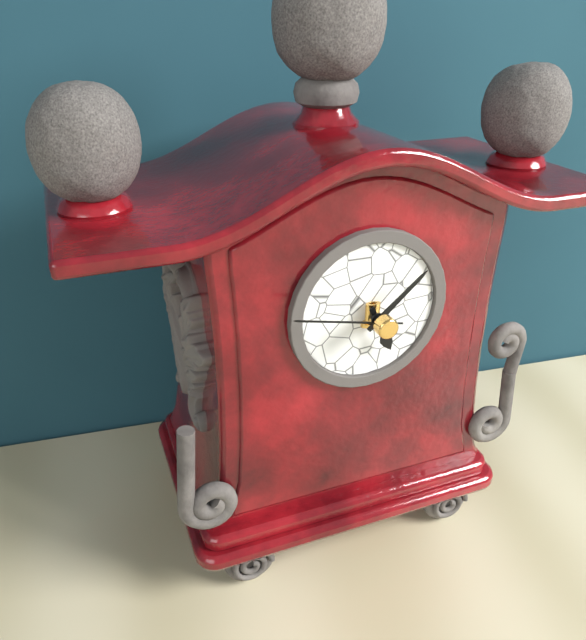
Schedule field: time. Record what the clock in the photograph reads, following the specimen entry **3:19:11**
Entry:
**5:08:47**
